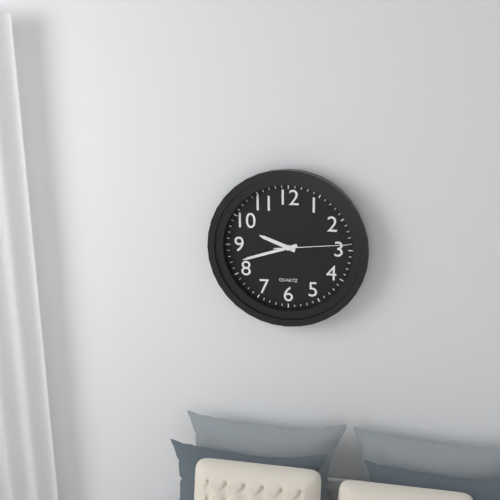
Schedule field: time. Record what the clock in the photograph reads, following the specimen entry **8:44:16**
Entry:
**9:42:14**
